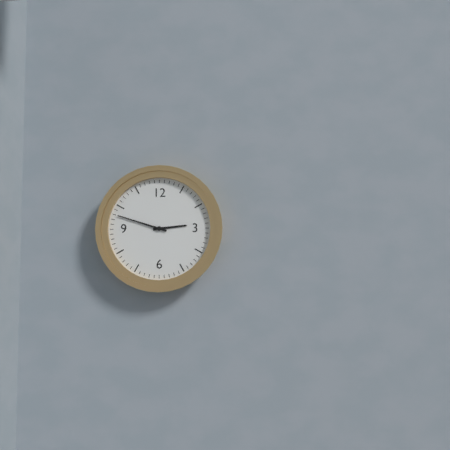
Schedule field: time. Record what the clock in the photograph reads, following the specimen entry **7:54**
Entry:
**2:48**
